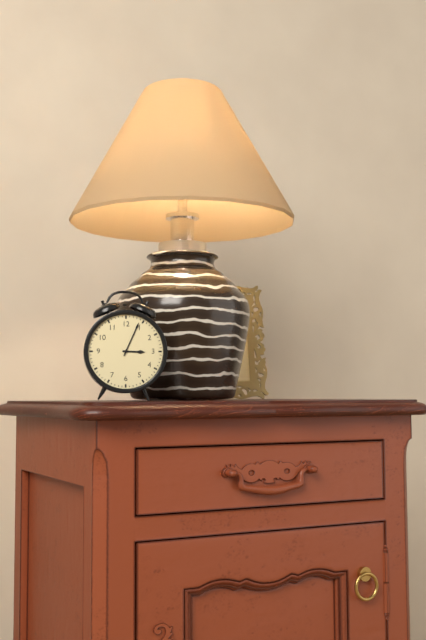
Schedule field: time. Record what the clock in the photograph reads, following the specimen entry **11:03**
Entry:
**3:04**
